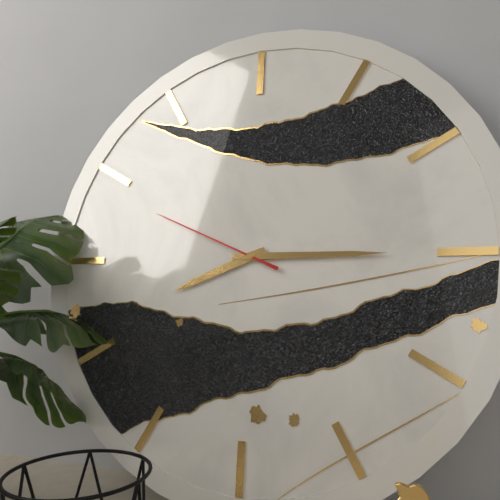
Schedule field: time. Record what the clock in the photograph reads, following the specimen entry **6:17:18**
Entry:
**8:15:49**
